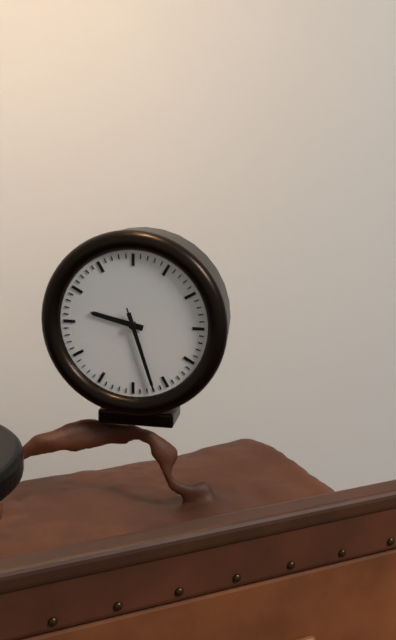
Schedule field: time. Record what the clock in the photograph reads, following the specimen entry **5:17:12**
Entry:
**9:27:27**
